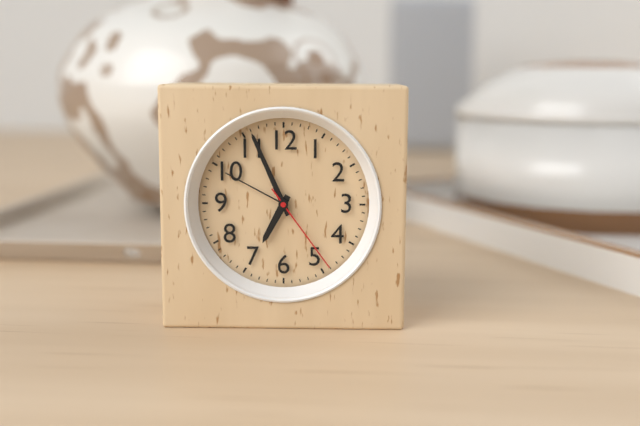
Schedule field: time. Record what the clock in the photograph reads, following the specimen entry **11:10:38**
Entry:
**6:56:24**
